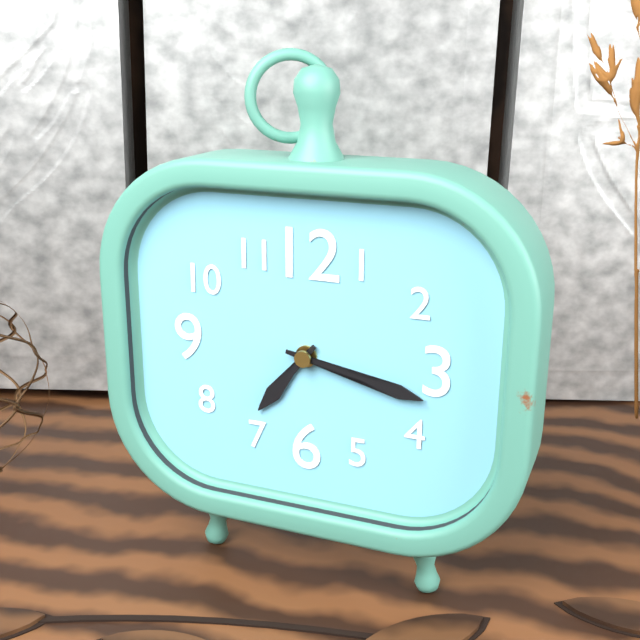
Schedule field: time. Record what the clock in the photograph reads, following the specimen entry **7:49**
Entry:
**7:17**
